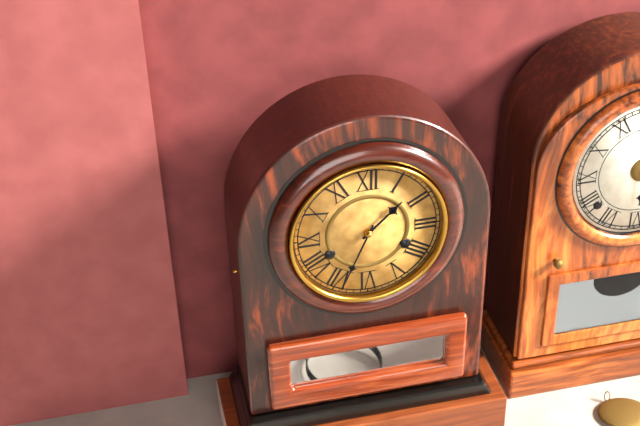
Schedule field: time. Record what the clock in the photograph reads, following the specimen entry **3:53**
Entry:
**1:34**
